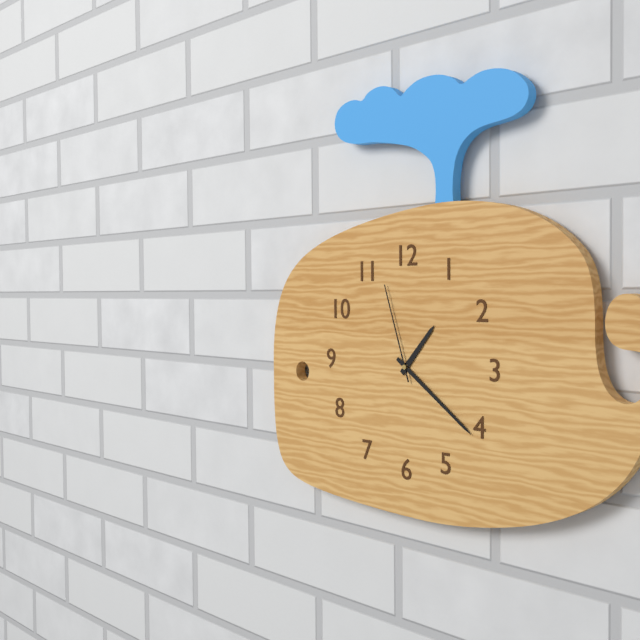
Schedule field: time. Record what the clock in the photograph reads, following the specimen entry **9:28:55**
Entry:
**1:21:57**
